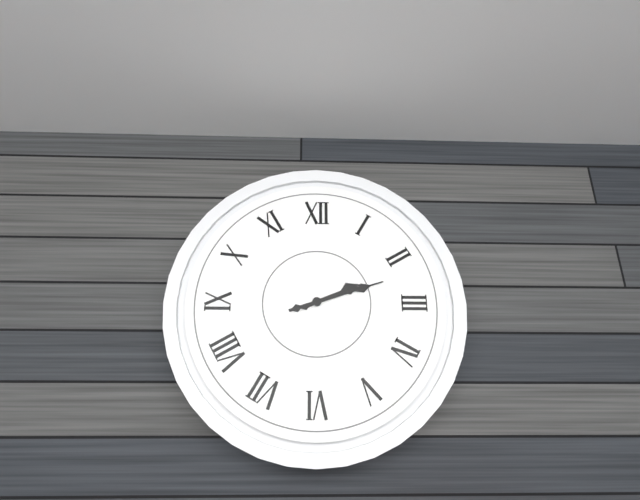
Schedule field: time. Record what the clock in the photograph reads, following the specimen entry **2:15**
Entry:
**2:12**
